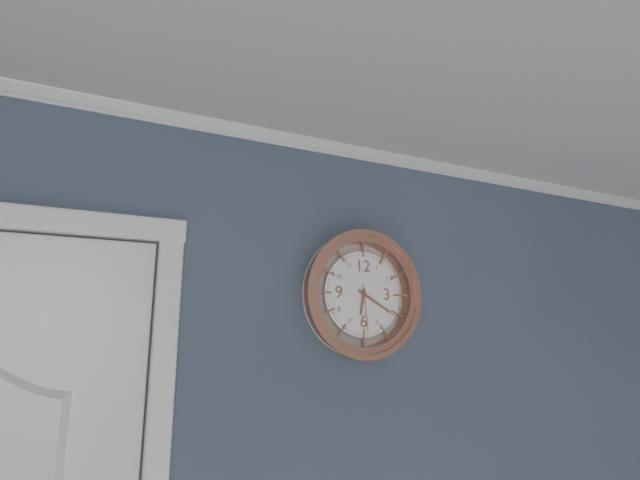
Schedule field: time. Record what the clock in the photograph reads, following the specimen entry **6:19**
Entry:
**6:20**
